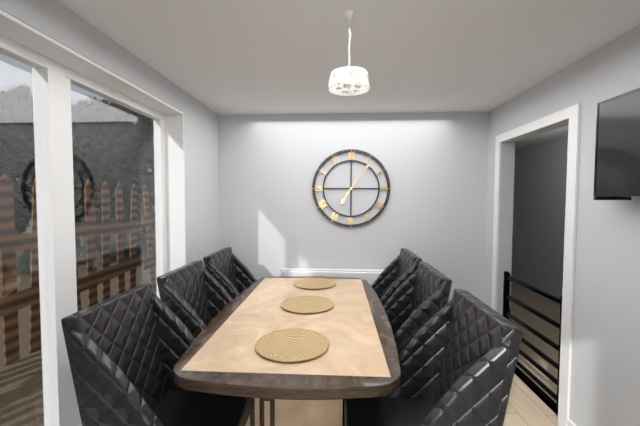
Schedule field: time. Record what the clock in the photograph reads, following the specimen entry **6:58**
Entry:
**7:06**
